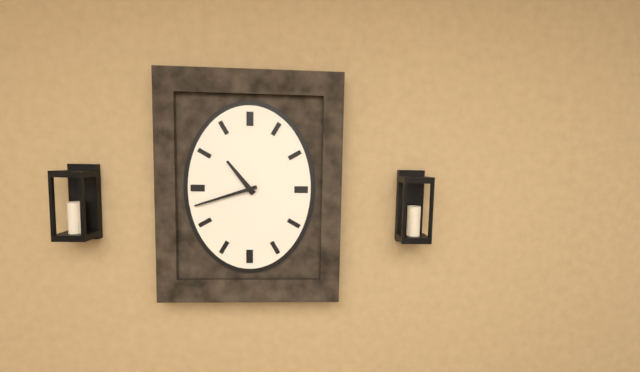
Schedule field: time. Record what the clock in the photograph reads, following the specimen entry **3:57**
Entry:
**10:42**
